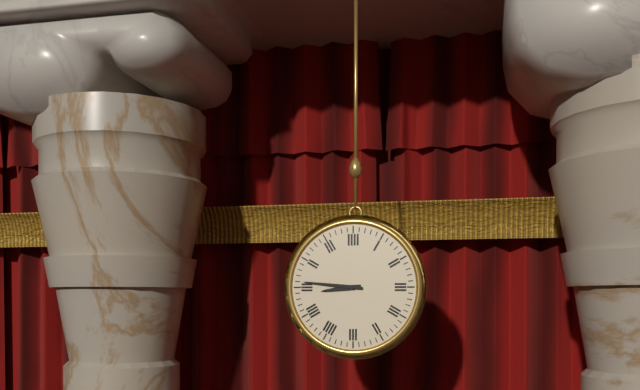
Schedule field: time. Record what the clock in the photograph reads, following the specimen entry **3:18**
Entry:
**8:46**
